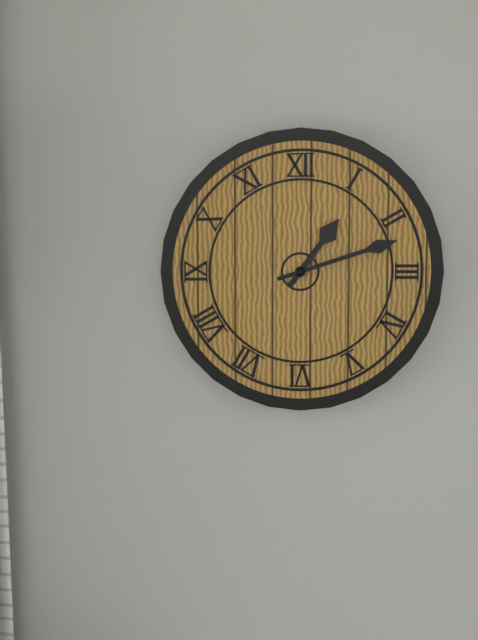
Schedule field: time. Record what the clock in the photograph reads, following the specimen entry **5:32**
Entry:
**1:12**
